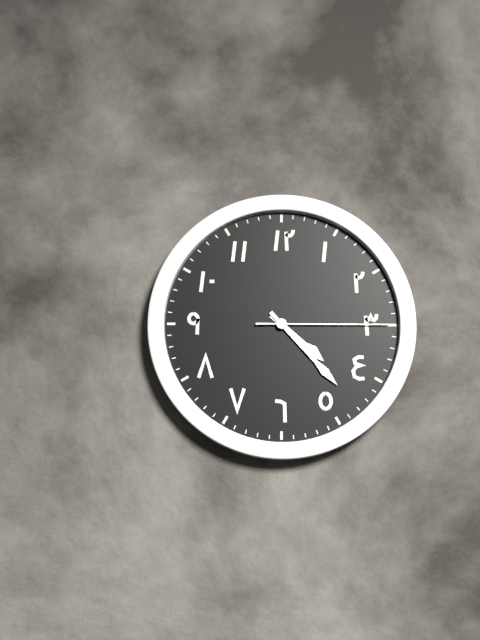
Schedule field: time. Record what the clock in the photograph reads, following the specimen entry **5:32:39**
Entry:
**4:23:15**
